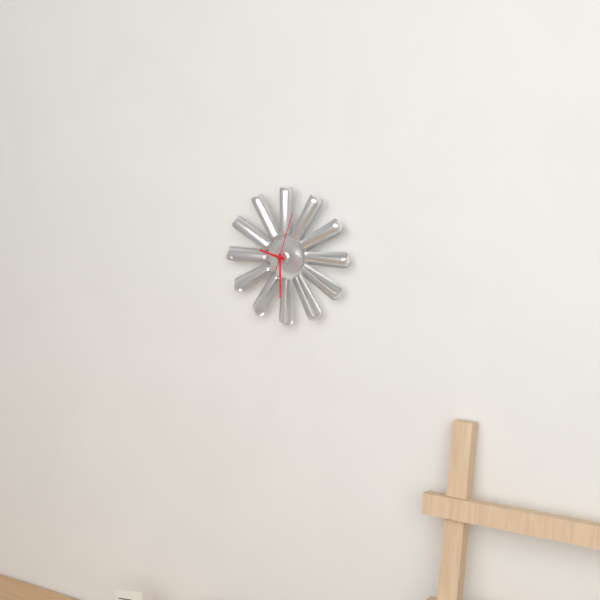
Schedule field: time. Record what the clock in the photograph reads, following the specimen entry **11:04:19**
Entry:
**9:30:03**
